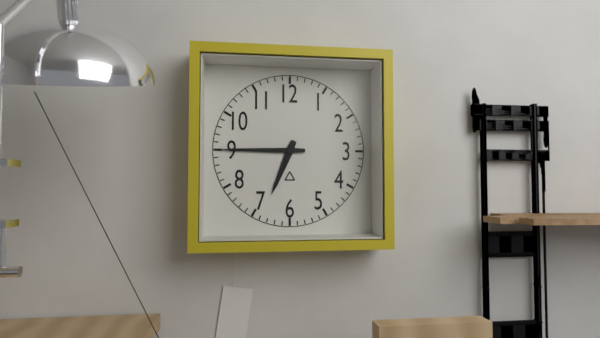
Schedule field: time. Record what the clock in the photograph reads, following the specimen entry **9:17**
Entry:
**6:45**
